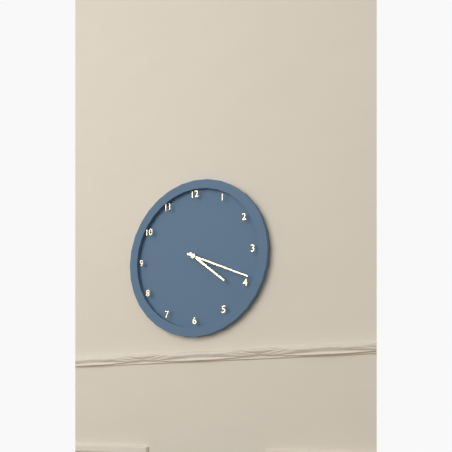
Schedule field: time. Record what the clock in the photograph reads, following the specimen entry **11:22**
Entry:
**4:19**
